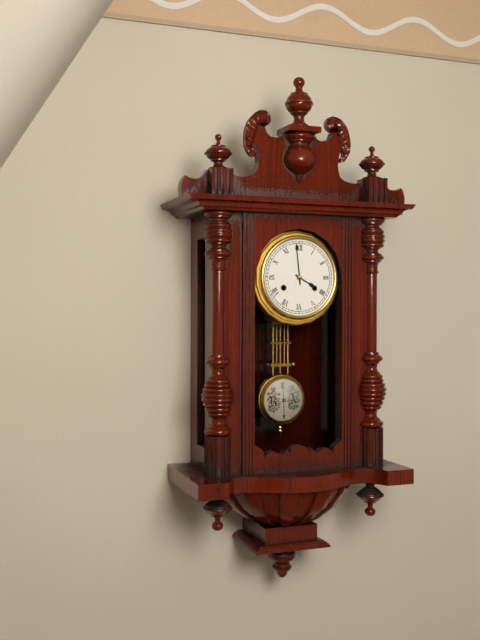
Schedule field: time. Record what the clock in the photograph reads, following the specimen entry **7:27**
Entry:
**3:59**
